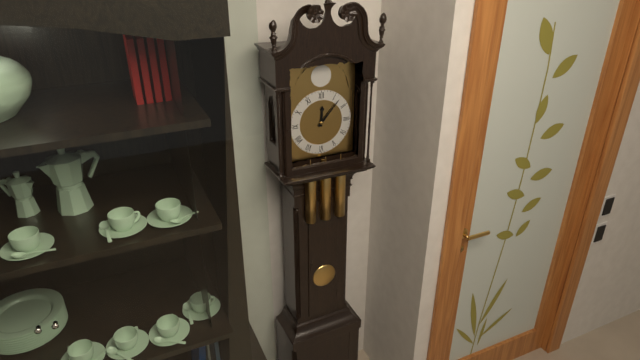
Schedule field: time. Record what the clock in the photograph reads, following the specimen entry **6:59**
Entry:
**12:07**
